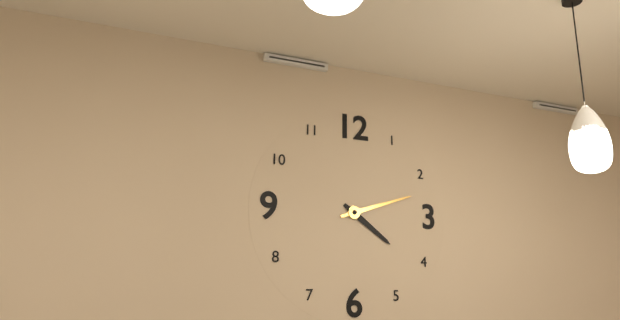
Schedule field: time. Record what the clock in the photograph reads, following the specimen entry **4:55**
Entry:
**4:12**
